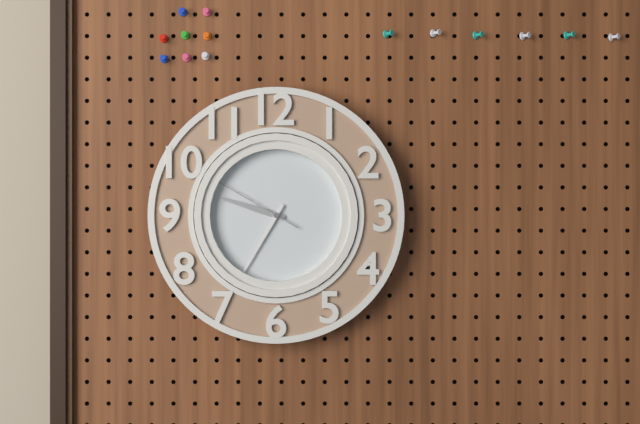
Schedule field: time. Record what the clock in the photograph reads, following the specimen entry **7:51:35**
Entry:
**9:35:50**
